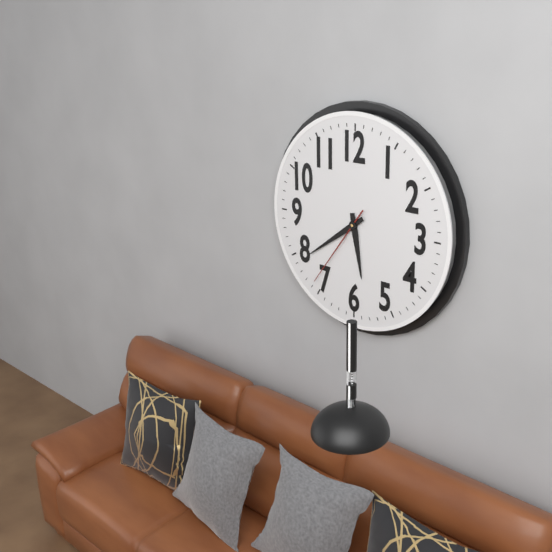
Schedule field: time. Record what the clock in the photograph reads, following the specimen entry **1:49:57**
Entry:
**5:39:36**
